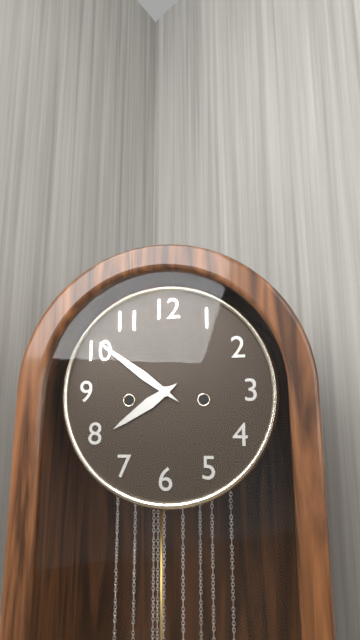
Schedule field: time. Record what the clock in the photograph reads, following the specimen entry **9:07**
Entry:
**7:51**
